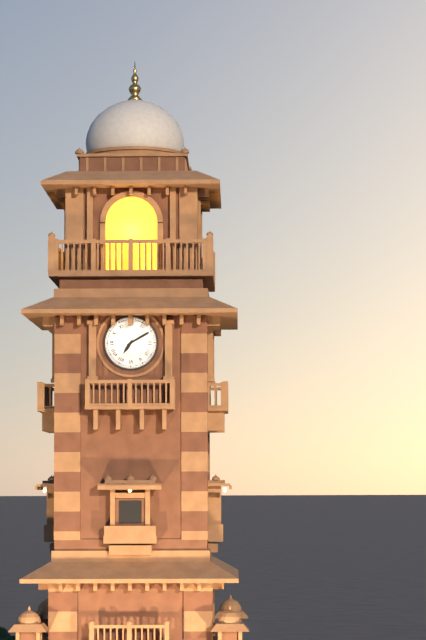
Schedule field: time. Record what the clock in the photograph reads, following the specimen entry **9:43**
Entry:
**7:10**
